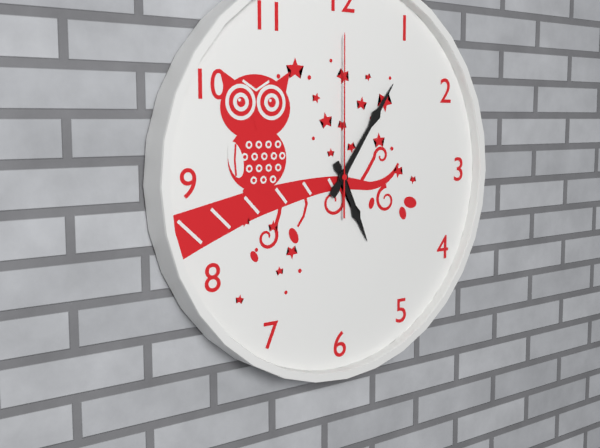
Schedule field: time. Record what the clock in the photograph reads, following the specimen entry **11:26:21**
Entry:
**5:06:00**
